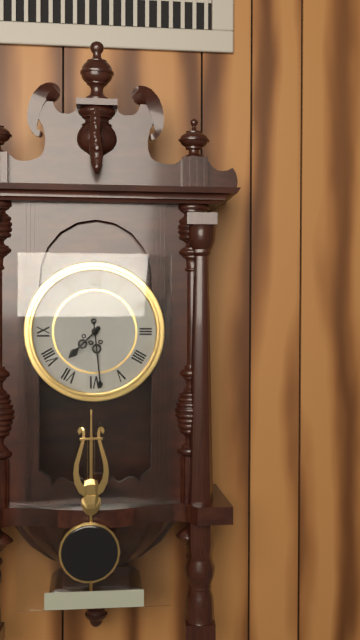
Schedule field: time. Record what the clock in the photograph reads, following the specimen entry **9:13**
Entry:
**7:29**
